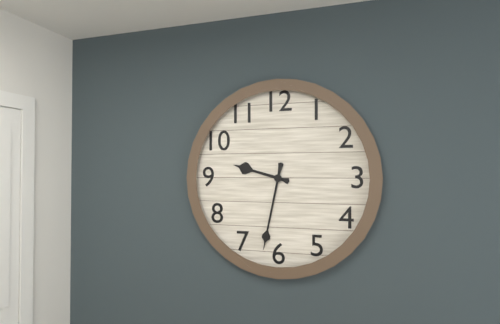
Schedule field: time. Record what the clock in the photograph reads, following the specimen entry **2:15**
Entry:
**9:32**
